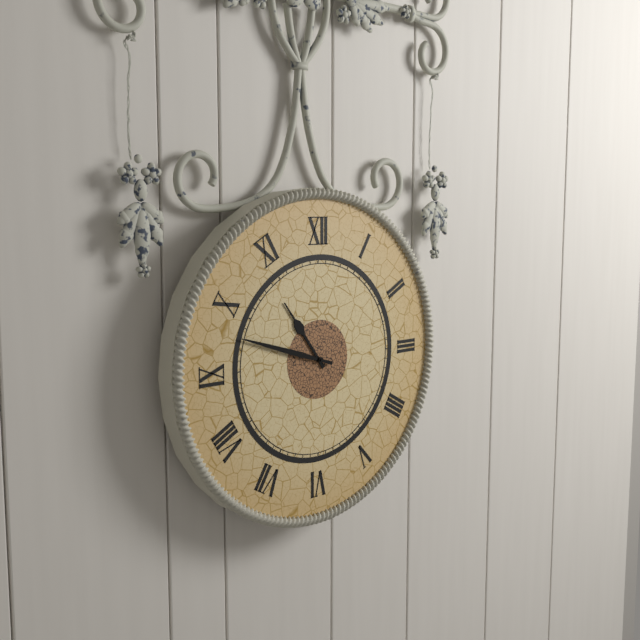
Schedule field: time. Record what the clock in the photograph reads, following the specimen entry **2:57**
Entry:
**10:48**
